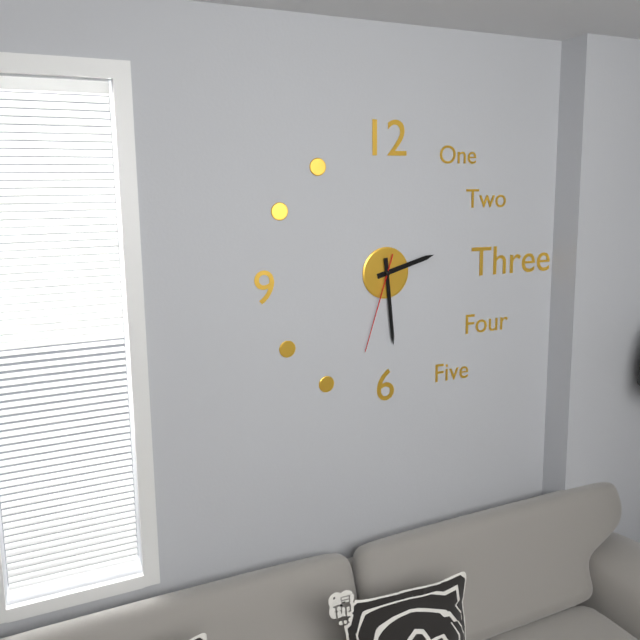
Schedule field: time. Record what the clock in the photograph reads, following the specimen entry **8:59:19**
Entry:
**2:29:33**
